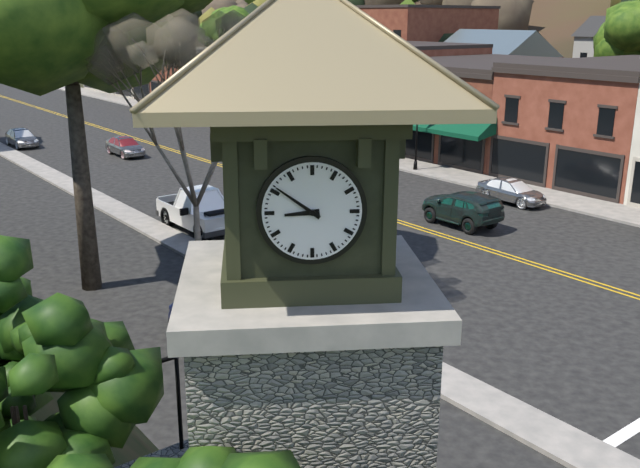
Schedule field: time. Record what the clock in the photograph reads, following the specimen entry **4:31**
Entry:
**8:51**
